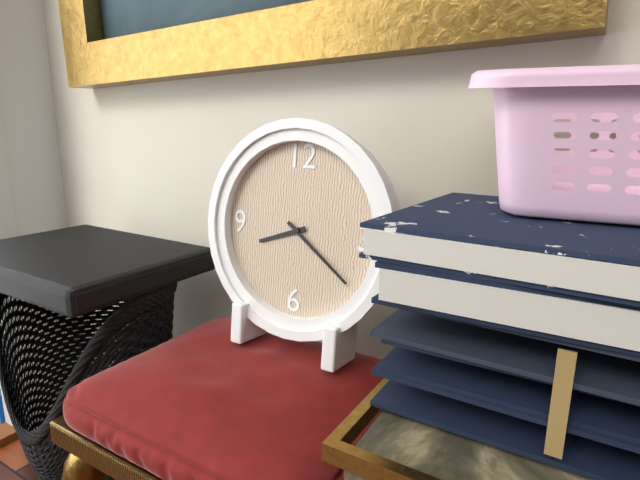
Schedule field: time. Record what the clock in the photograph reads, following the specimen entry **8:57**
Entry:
**8:21**
